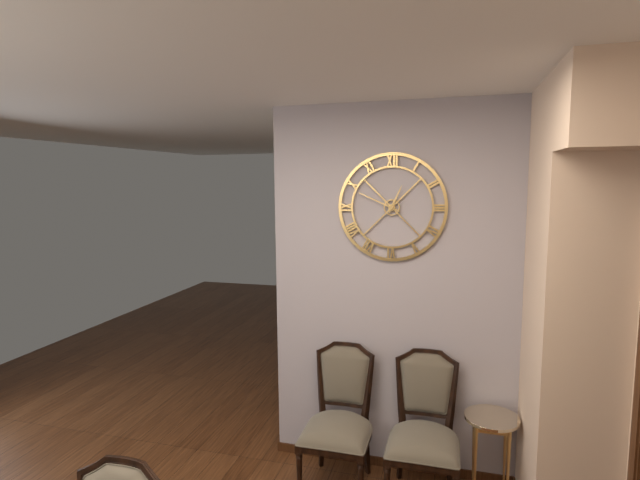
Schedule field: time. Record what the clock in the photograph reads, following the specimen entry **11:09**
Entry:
**12:49**
